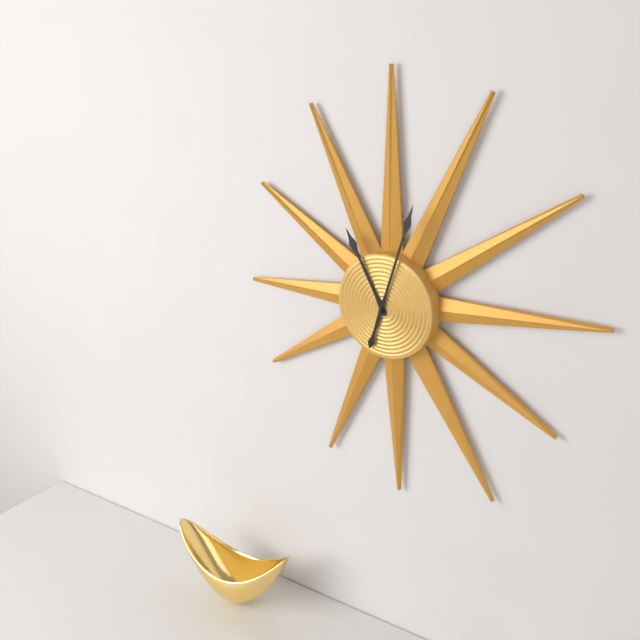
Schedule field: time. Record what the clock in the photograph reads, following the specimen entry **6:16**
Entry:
**11:03**
